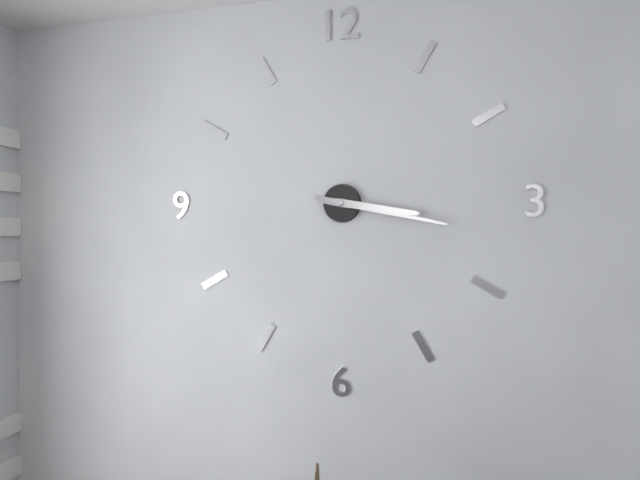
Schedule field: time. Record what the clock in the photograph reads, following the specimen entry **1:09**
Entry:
**3:17**
